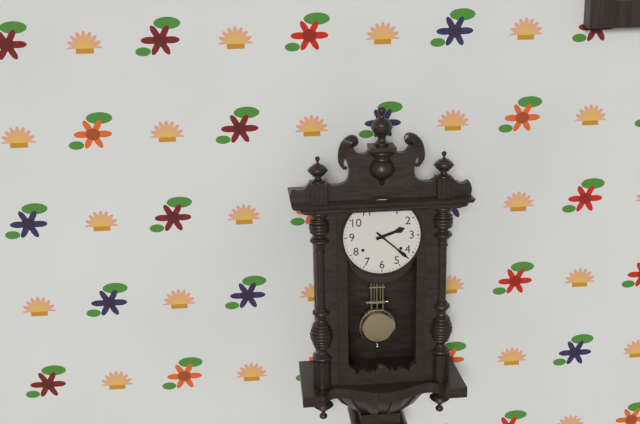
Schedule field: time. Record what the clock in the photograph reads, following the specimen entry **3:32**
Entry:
**2:22**
